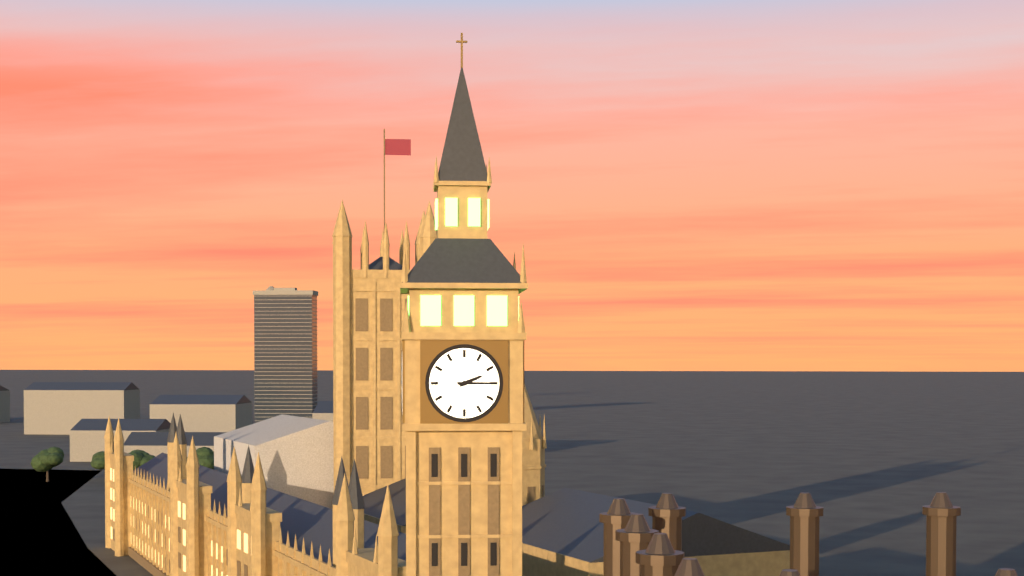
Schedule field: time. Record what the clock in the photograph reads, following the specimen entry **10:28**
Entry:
**2:15**
